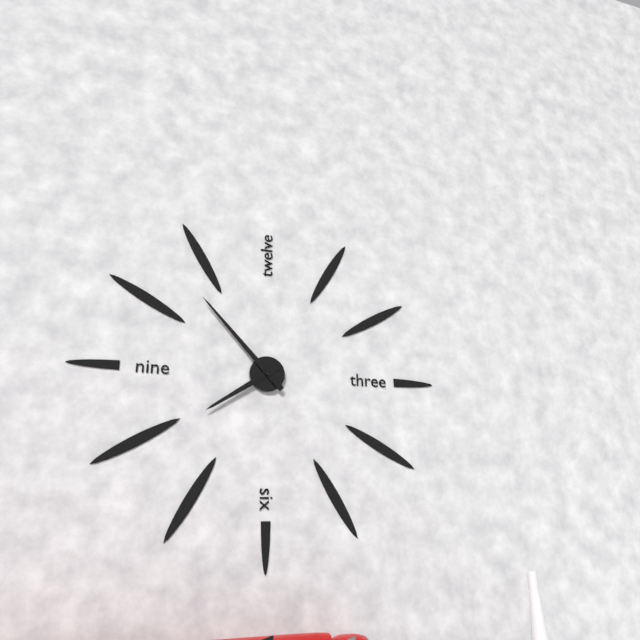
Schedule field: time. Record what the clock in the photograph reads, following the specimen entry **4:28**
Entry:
**7:53**
